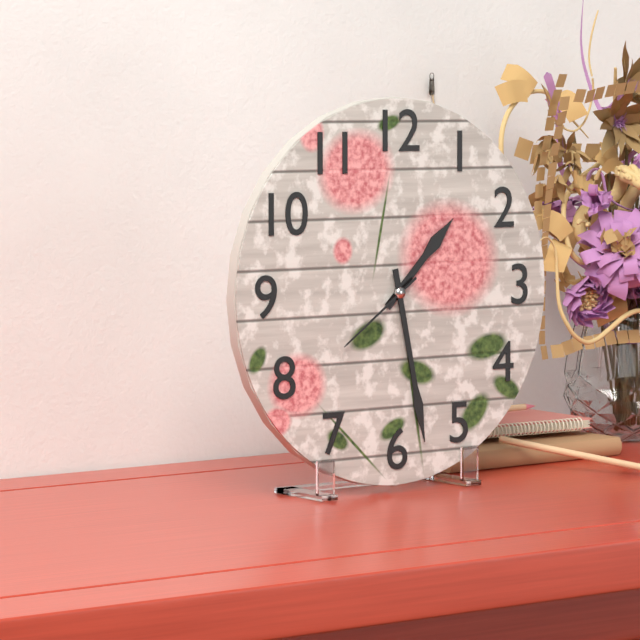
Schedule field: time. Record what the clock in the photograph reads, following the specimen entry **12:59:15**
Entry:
**1:28:39**
